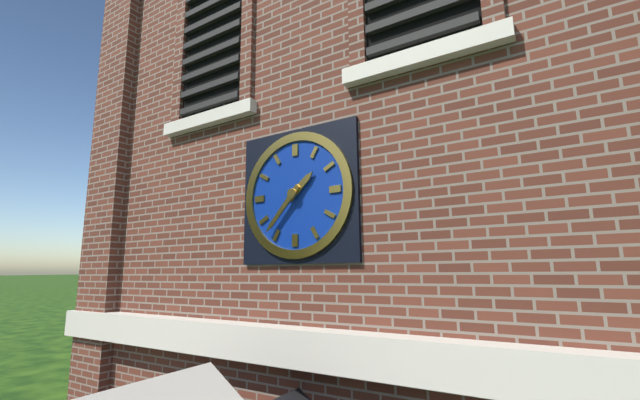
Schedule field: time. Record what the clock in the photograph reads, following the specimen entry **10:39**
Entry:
**1:37**
